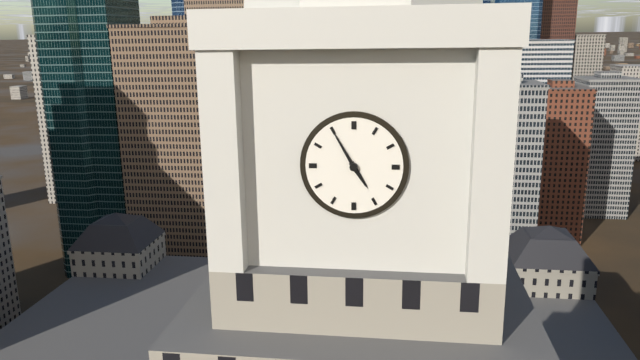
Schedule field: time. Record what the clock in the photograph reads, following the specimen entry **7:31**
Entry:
**4:55**
